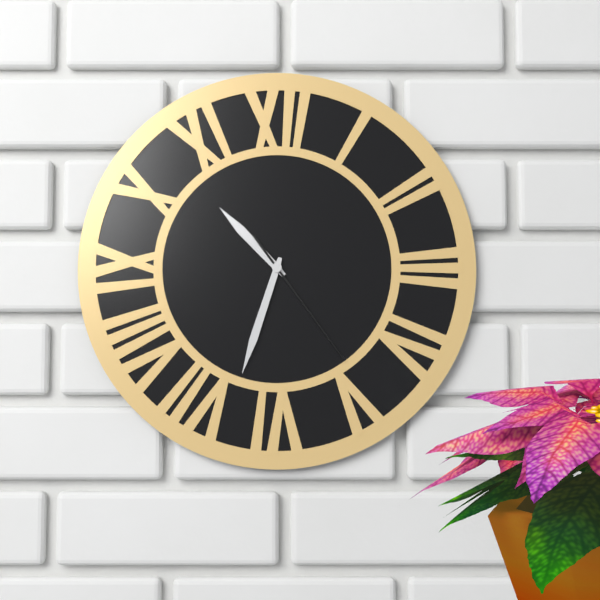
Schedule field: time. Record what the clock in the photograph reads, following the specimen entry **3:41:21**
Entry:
**10:33:24**
